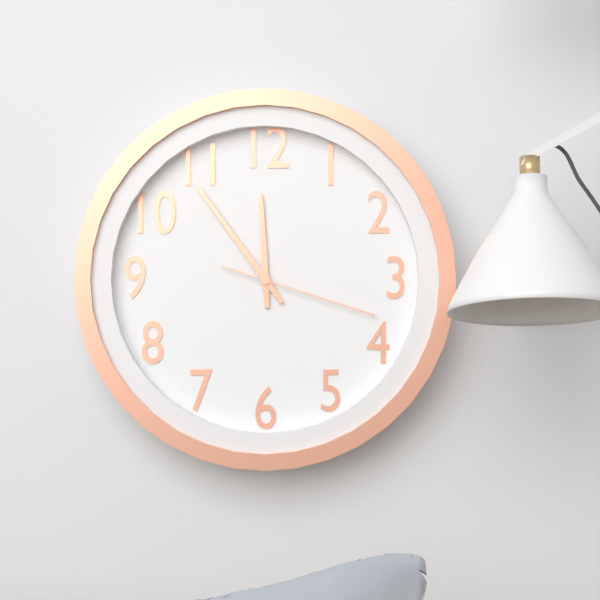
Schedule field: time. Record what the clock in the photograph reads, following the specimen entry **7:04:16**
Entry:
**11:54:18**
